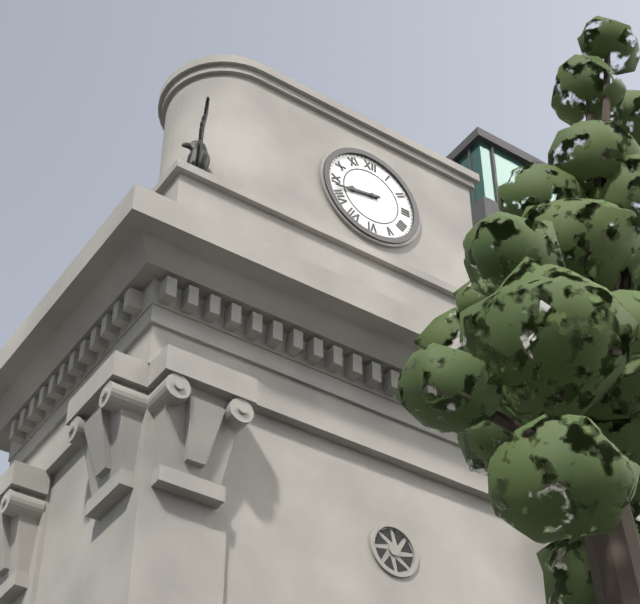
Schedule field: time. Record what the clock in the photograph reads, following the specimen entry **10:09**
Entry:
**8:43**
